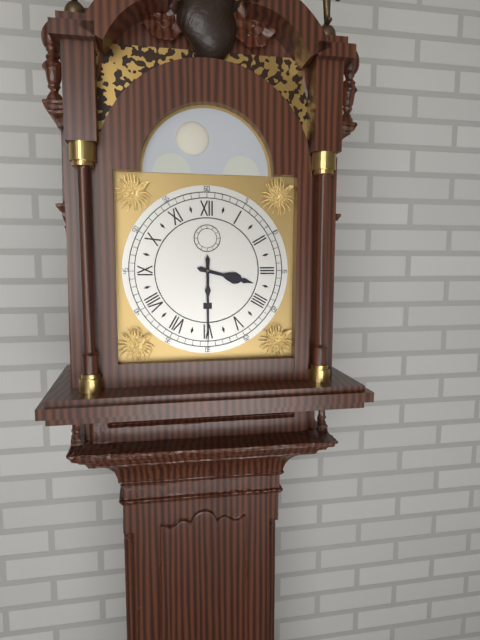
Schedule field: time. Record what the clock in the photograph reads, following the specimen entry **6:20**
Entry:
**3:30**
